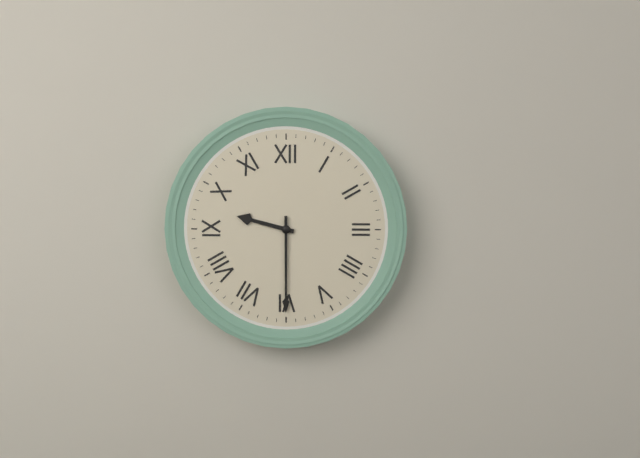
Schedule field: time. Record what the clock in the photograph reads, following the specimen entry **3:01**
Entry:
**9:30**
